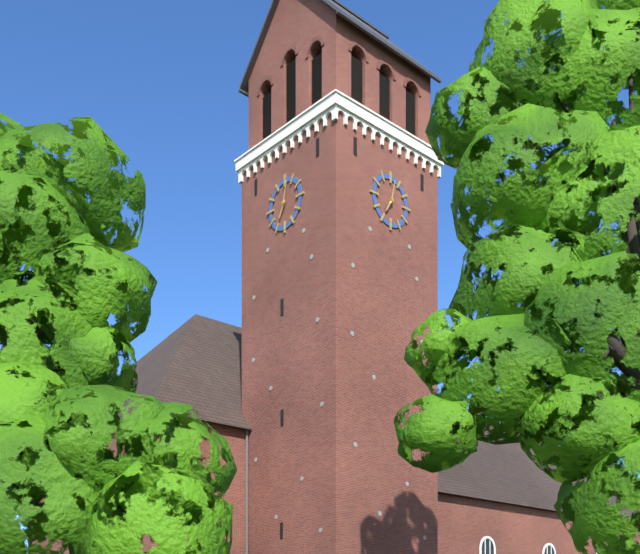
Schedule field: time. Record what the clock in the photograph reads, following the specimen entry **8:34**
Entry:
**7:02**
